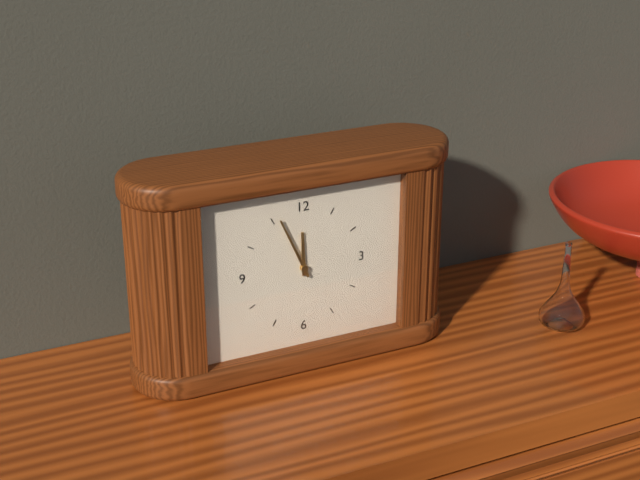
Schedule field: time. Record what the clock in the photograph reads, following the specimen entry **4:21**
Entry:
**11:56**
